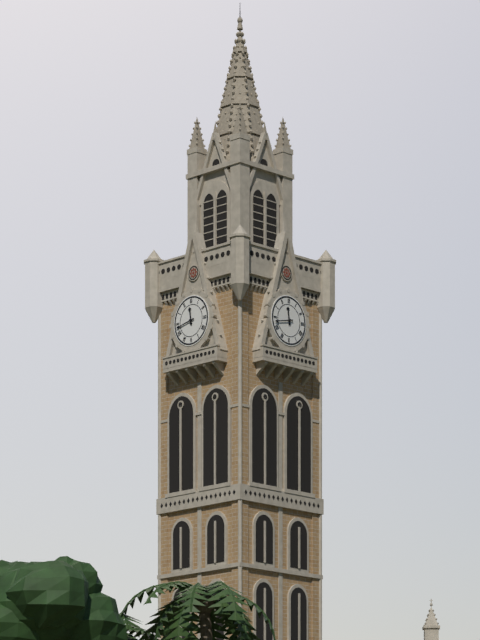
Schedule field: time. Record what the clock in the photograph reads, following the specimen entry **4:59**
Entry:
**11:43**
